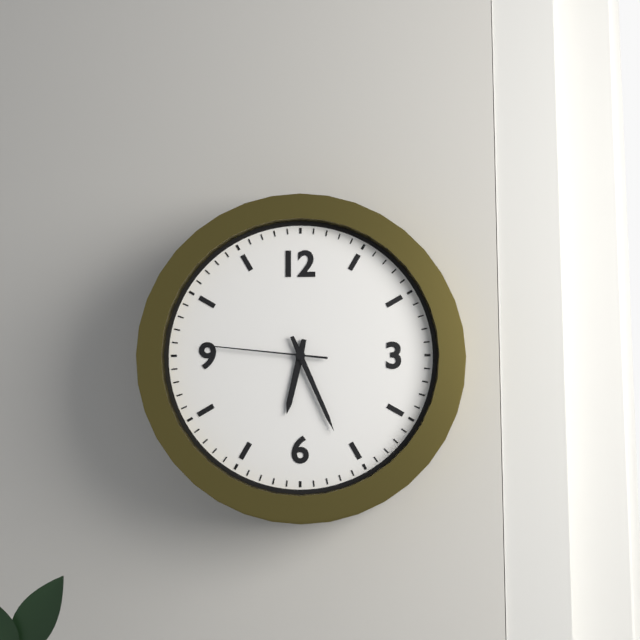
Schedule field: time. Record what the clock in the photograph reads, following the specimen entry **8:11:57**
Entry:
**6:26:46**
